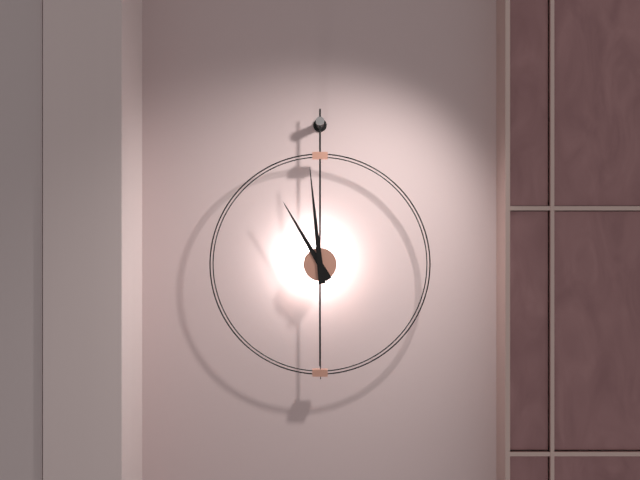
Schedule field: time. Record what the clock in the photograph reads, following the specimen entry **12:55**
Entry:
**10:59**
